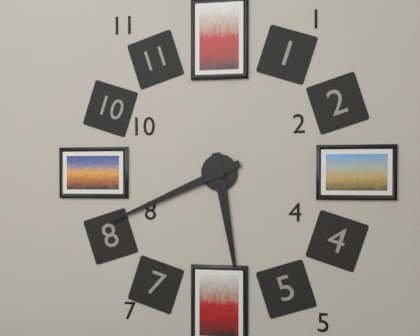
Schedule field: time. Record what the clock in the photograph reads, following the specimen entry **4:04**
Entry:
**5:41**
